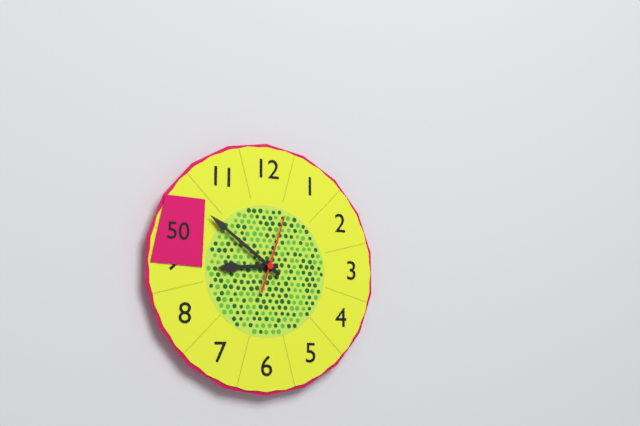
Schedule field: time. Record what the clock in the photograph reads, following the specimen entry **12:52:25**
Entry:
**8:51:03**
